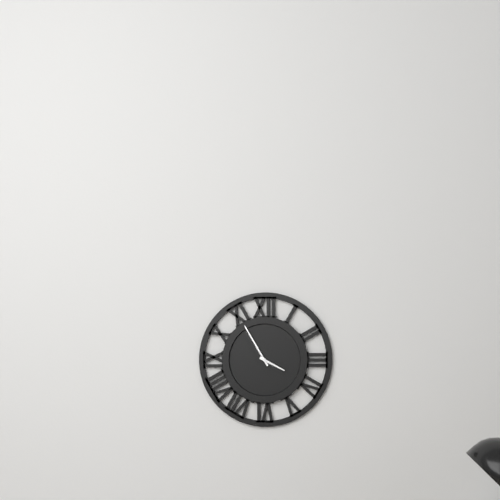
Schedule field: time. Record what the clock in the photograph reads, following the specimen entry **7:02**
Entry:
**3:55**
